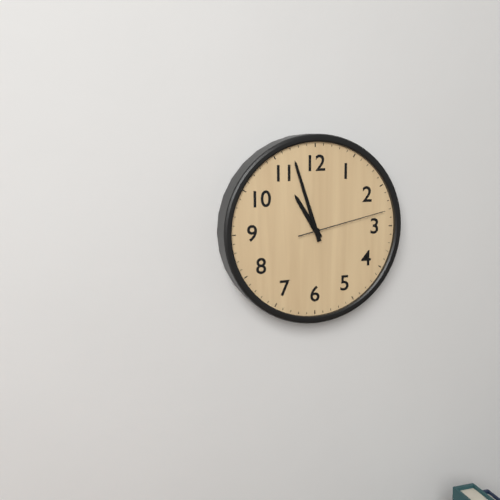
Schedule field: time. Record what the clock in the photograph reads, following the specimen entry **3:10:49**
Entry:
**10:57:13**
